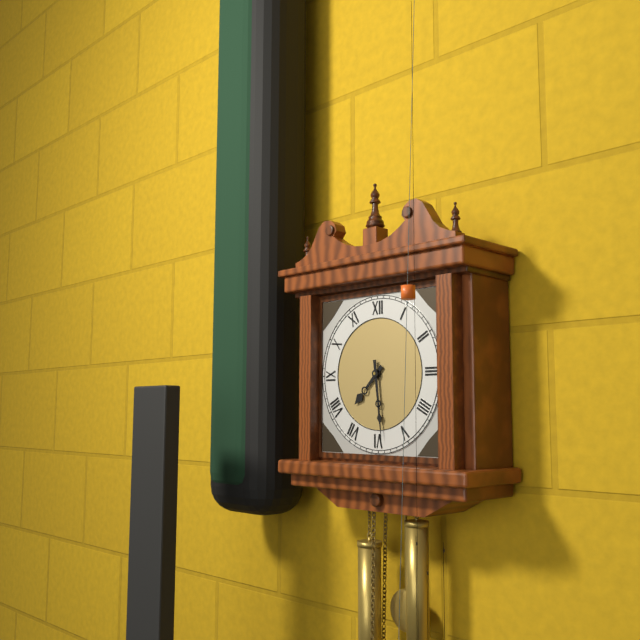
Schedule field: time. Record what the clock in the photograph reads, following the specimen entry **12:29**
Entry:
**7:29**
